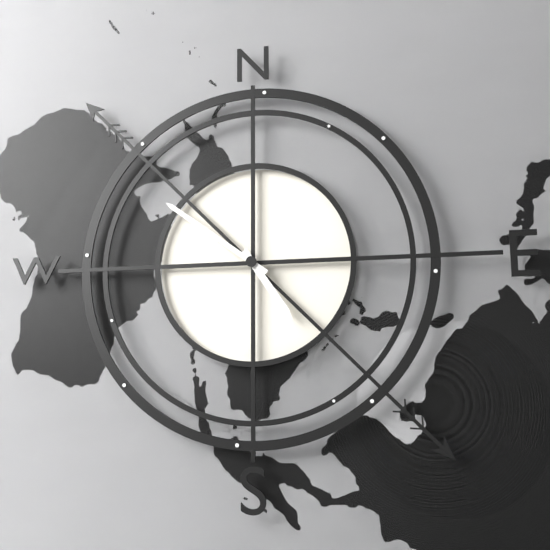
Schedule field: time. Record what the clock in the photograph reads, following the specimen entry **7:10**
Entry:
**4:51**
